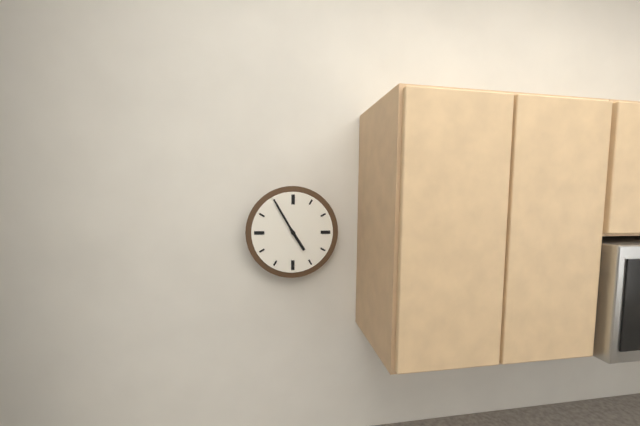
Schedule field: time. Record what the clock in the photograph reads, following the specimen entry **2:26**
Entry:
**4:55**
